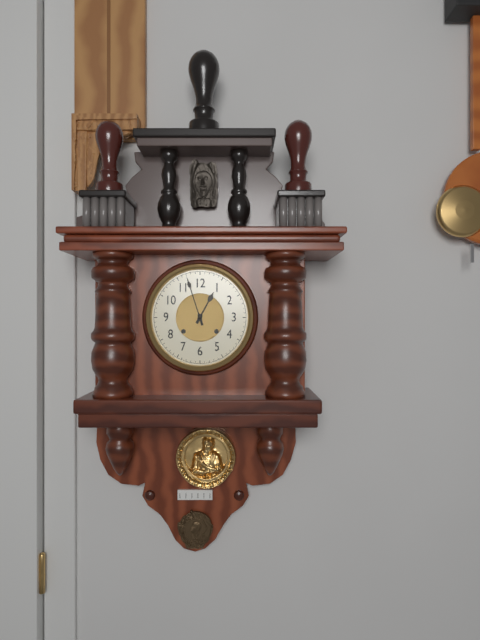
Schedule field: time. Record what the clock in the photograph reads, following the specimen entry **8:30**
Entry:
**12:57**
